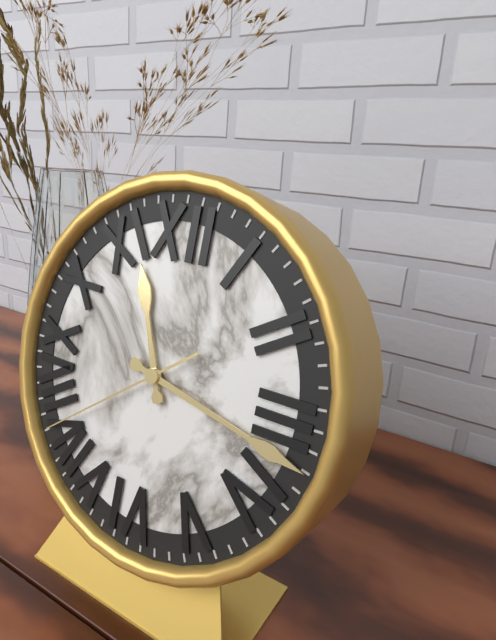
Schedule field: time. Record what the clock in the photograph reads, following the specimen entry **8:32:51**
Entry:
**11:17:39**
